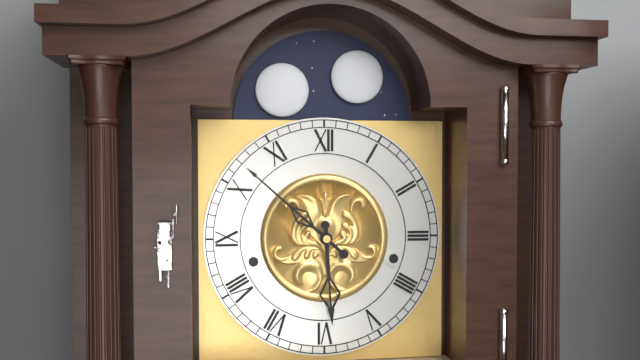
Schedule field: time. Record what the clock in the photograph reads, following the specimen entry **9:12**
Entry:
**5:52**
